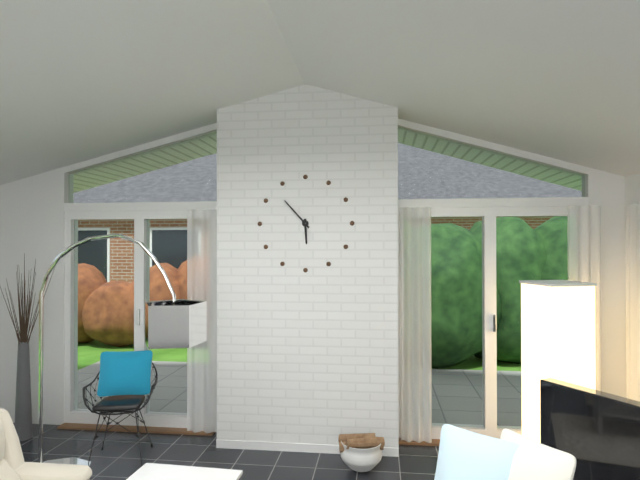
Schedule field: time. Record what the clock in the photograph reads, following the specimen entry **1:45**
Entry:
**5:53**
